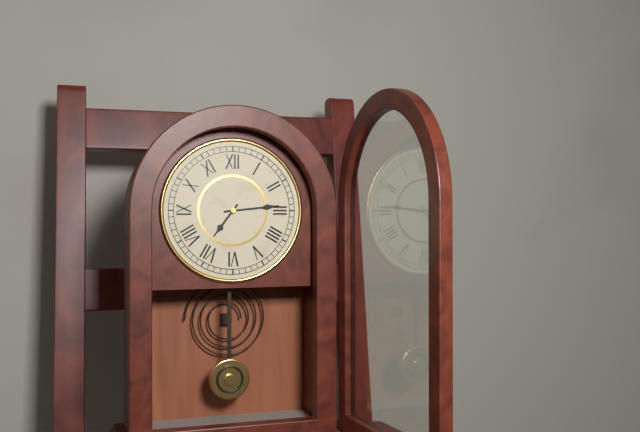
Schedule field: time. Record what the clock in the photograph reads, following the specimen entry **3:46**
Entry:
**7:14**
